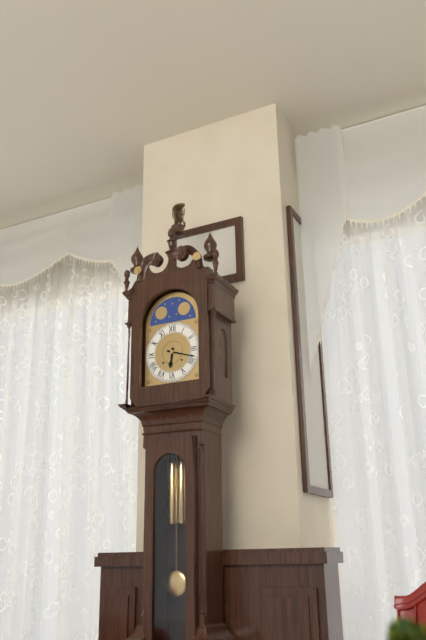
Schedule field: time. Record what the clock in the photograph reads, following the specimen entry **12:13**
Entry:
**6:18**
